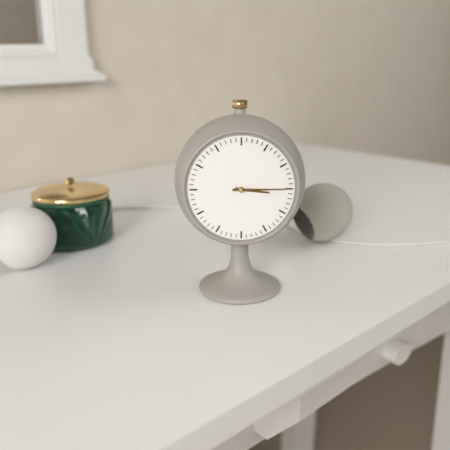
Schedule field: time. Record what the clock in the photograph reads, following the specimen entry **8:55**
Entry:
**3:15**
